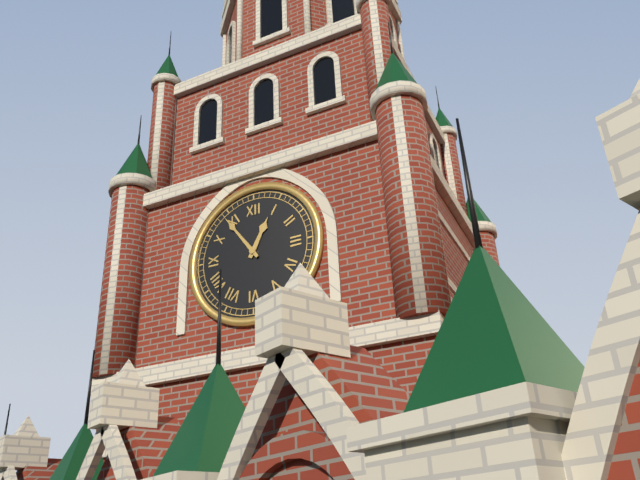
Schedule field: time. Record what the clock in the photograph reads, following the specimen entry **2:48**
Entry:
**12:54**
